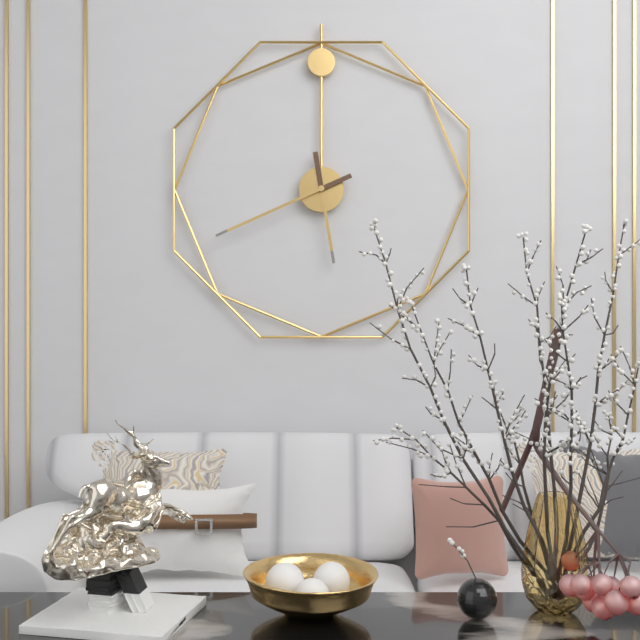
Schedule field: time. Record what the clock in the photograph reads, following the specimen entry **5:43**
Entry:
**5:41**
